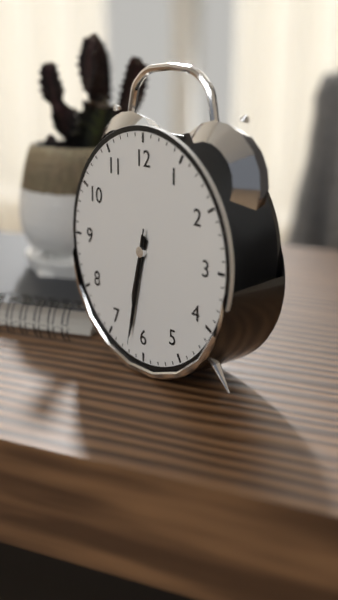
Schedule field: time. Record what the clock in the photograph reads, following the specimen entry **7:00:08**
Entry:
**6:32:32**
